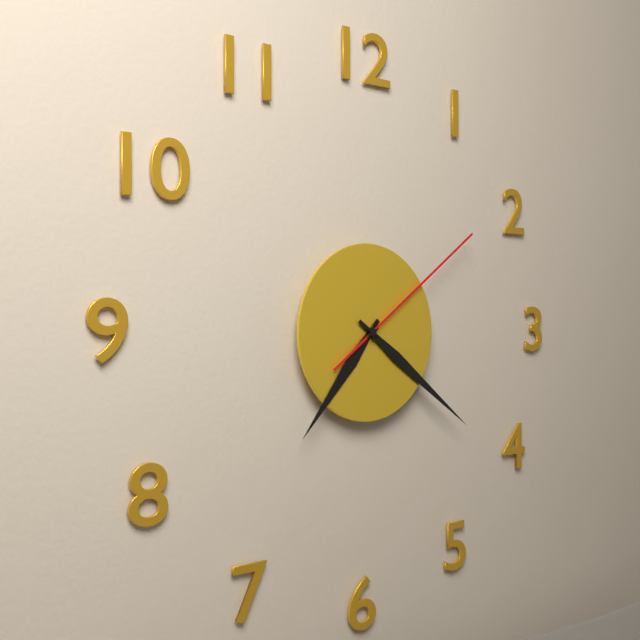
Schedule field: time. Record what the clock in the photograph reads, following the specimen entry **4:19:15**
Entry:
**7:21:09**
